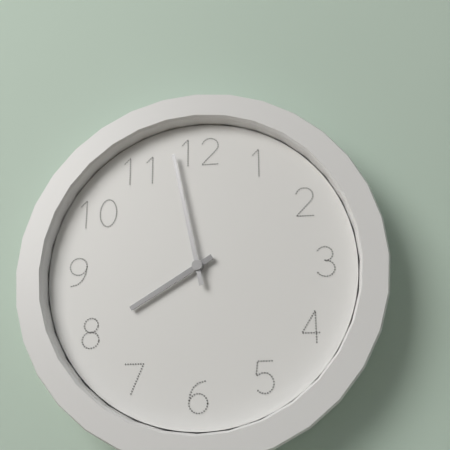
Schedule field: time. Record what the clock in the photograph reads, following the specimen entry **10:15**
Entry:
**7:58**
